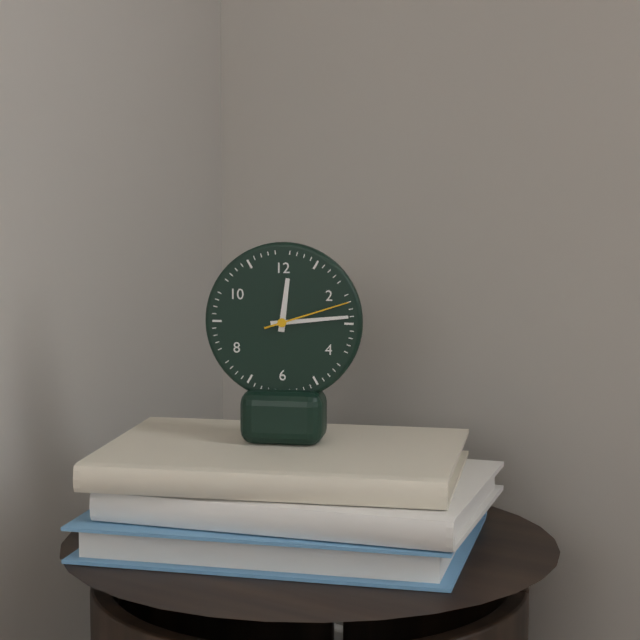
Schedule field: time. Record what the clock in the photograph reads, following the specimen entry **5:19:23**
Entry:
**12:14:12**
